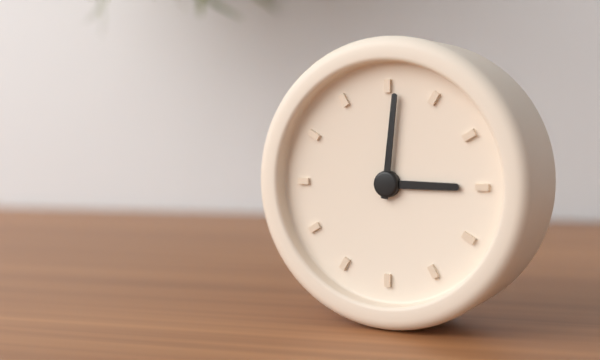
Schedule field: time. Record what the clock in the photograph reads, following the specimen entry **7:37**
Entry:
**3:01**
